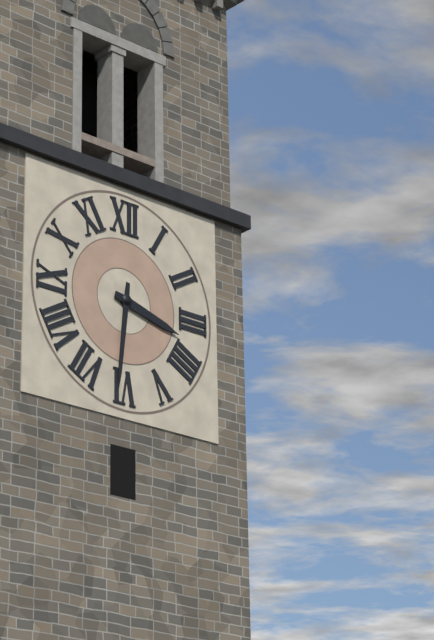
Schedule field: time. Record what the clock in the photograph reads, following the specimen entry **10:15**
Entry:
**3:31**
